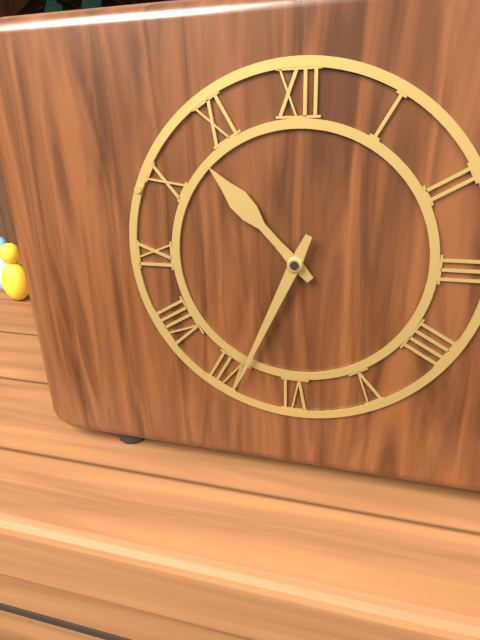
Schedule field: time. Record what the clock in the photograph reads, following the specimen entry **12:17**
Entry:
**10:34**
